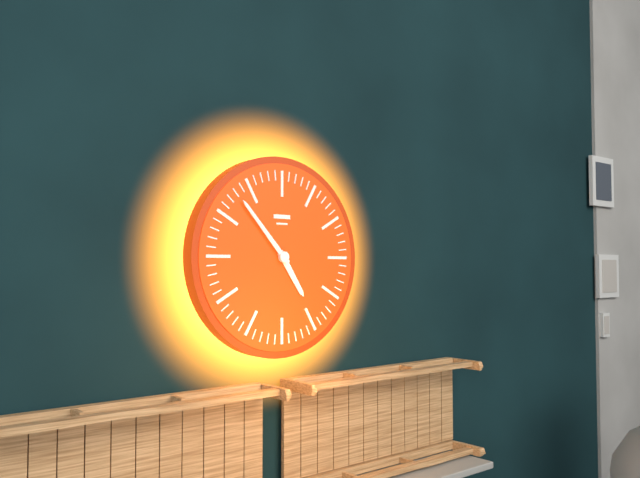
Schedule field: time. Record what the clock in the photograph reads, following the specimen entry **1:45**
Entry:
**4:53**
